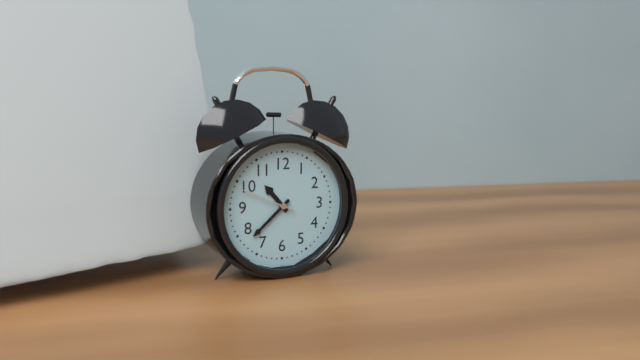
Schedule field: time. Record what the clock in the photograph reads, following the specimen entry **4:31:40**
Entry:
**10:38:49**
